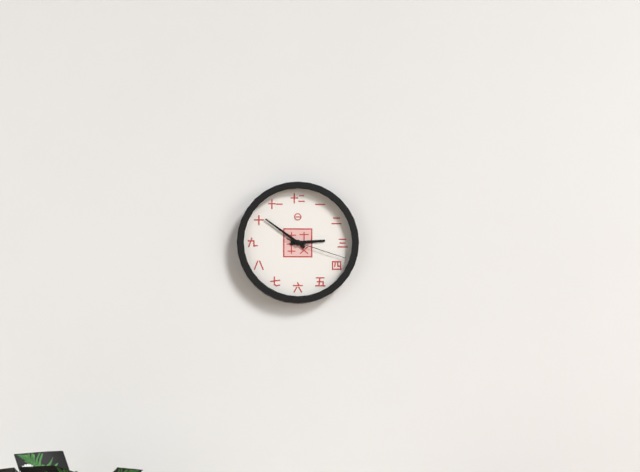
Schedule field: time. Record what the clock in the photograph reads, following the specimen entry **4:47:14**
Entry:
**2:51:18**
